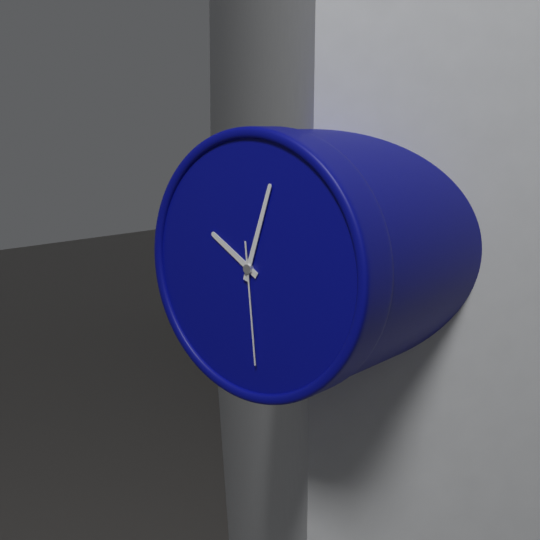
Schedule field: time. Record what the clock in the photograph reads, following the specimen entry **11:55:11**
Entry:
**10:03:29**
